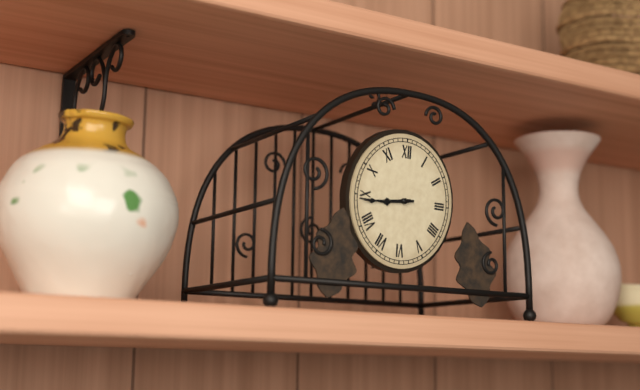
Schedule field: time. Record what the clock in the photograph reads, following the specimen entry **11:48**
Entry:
**8:44**
